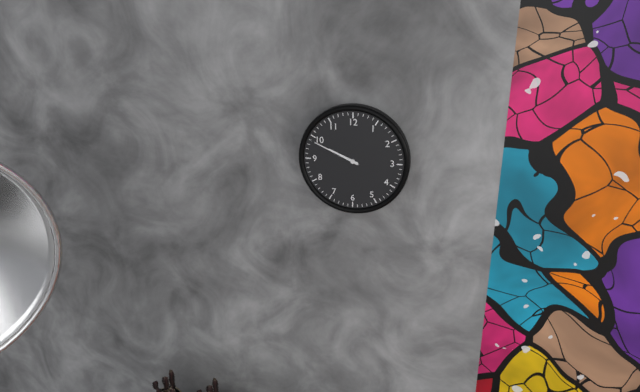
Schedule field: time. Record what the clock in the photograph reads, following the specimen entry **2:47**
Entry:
**9:49**
